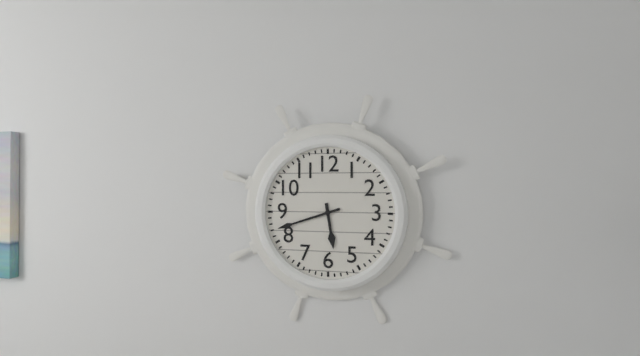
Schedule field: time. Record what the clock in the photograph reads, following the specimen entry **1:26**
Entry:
**5:42**
